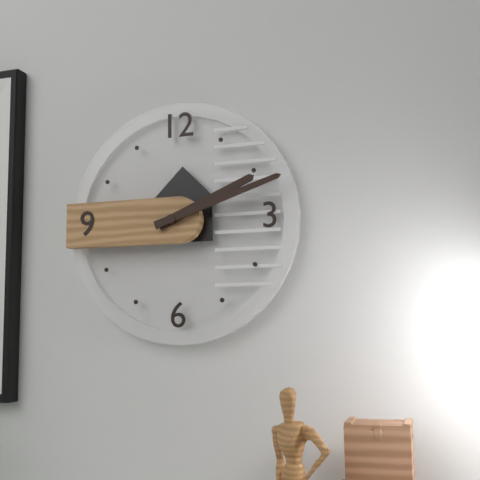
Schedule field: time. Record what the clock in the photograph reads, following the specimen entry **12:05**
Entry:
**2:12**
